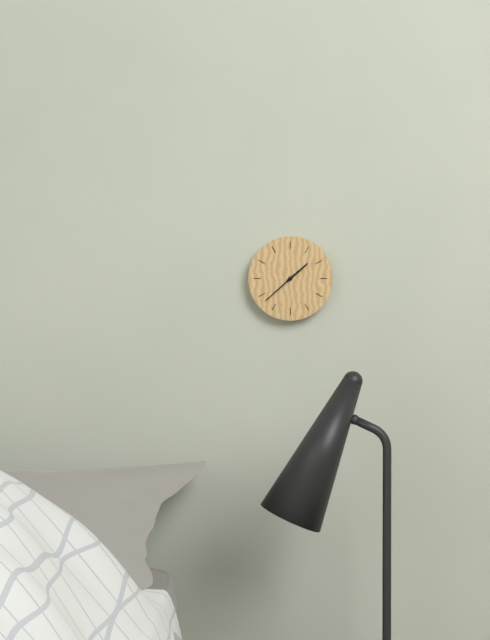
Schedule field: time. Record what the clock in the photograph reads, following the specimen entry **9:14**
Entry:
**1:38**
